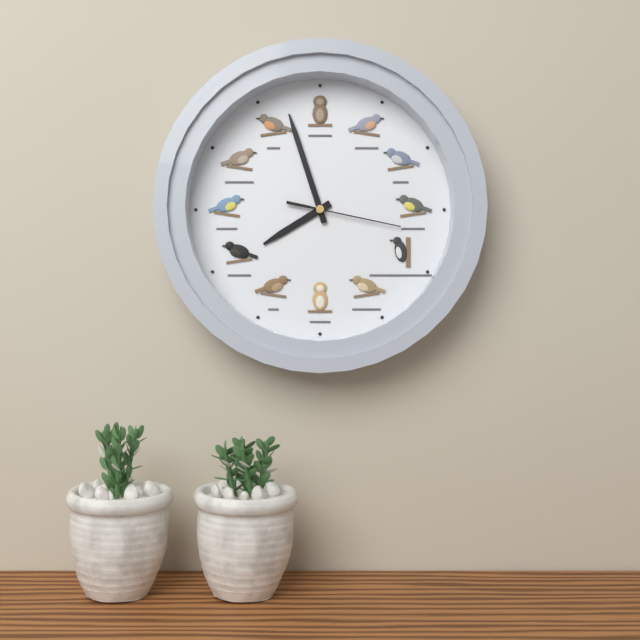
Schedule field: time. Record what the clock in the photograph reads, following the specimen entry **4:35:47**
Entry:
**7:57:17**
